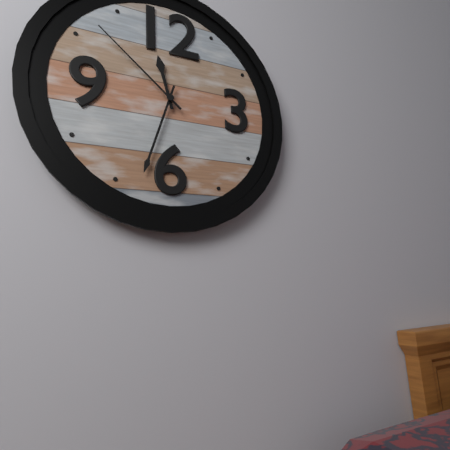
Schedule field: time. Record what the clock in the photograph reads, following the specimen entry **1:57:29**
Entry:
**11:33:52**
